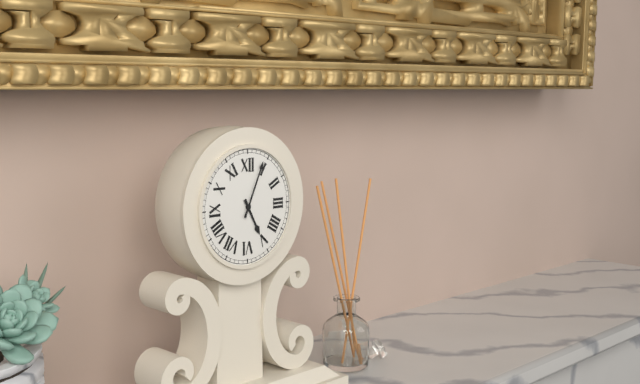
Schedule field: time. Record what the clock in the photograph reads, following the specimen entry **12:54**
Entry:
**5:04**
